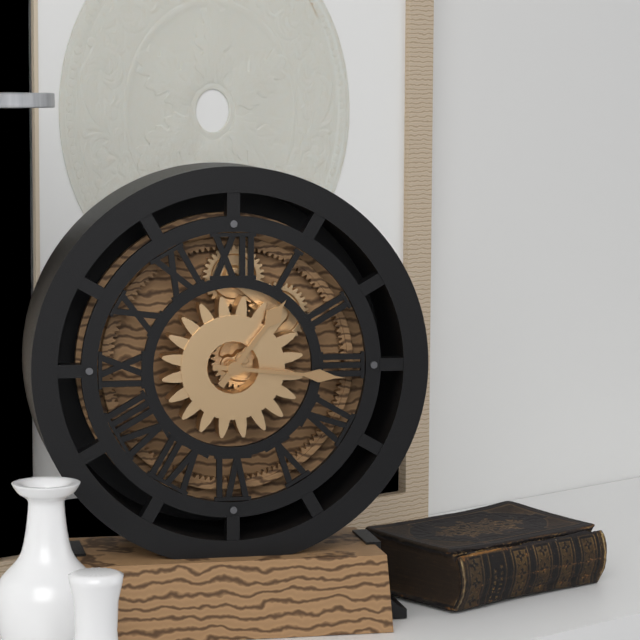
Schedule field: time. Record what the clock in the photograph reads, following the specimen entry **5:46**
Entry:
**1:16**
